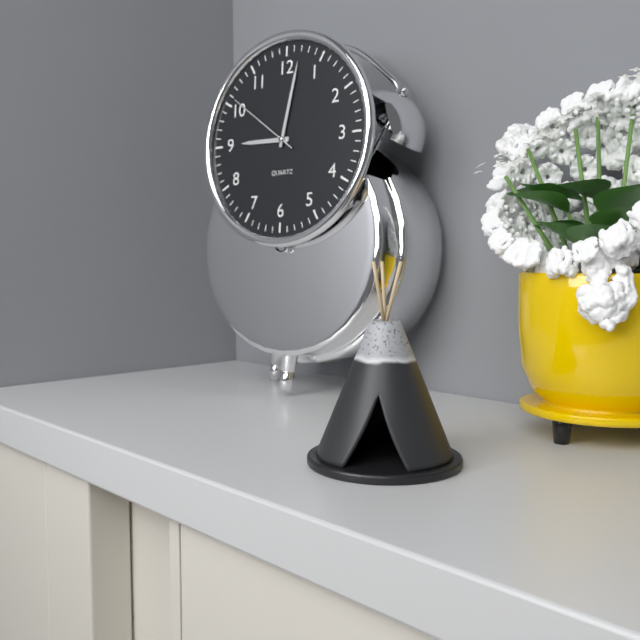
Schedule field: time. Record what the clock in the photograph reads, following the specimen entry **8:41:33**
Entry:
**9:02:51**
